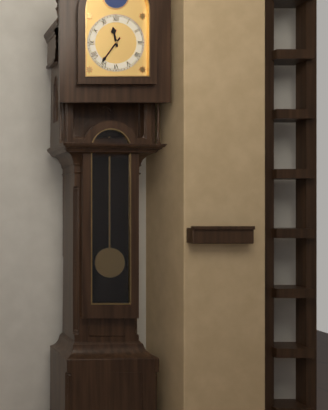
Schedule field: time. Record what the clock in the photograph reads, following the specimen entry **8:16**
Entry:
**11:36**
